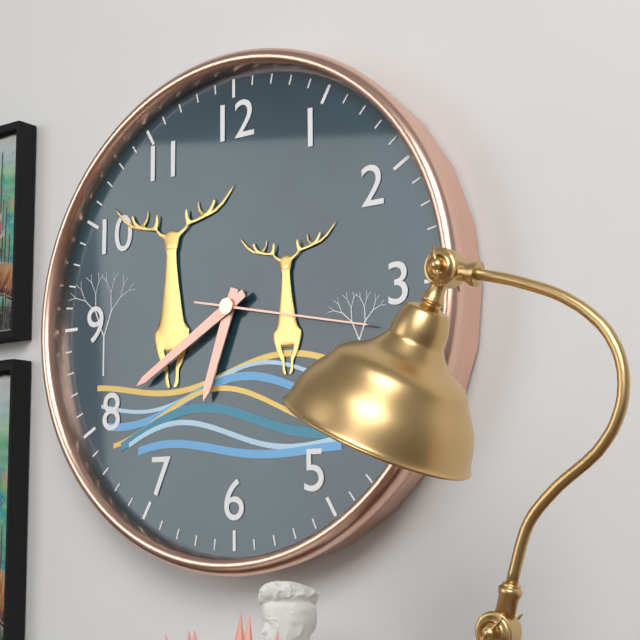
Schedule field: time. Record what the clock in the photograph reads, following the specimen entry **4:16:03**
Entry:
**6:40:17**
